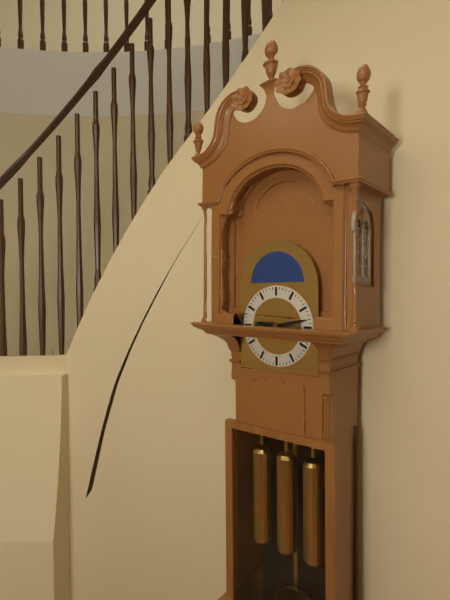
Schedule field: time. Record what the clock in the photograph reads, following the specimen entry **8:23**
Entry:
**9:13**
